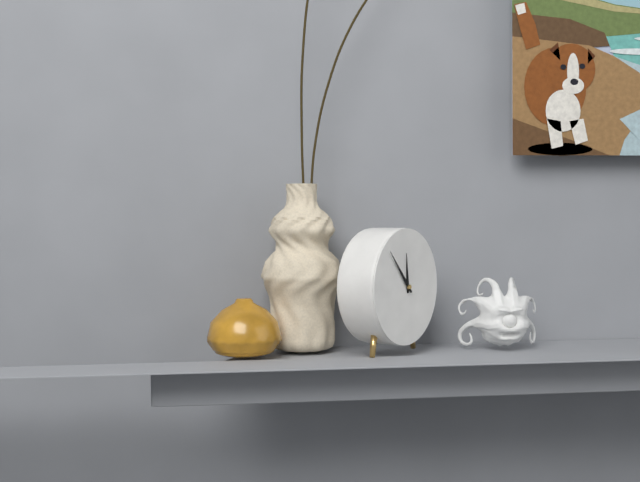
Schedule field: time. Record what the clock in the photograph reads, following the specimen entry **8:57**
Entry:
**11:53**
